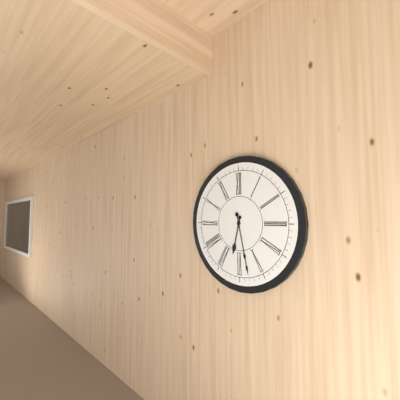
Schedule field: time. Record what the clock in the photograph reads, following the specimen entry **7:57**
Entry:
**6:28**
